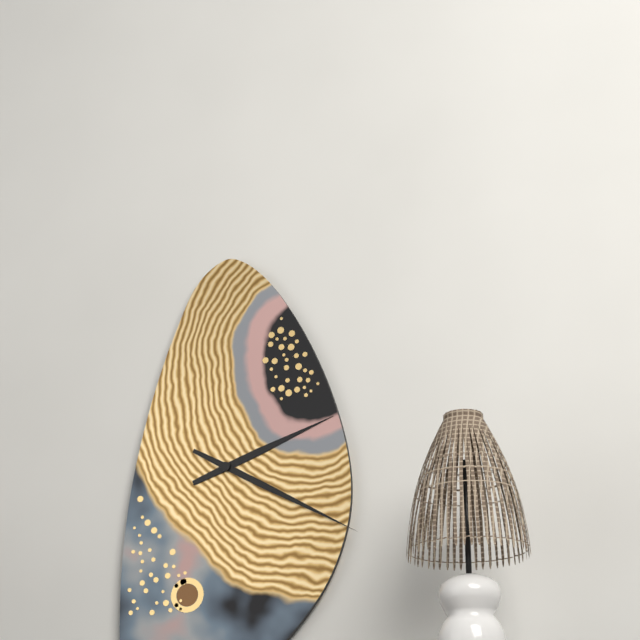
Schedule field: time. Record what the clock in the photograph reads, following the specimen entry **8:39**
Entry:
**2:20**
